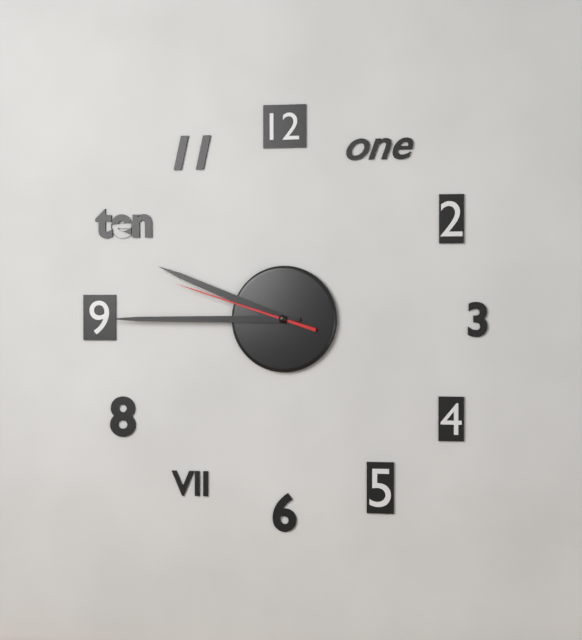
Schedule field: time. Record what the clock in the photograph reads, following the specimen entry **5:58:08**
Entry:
**9:45:48**
